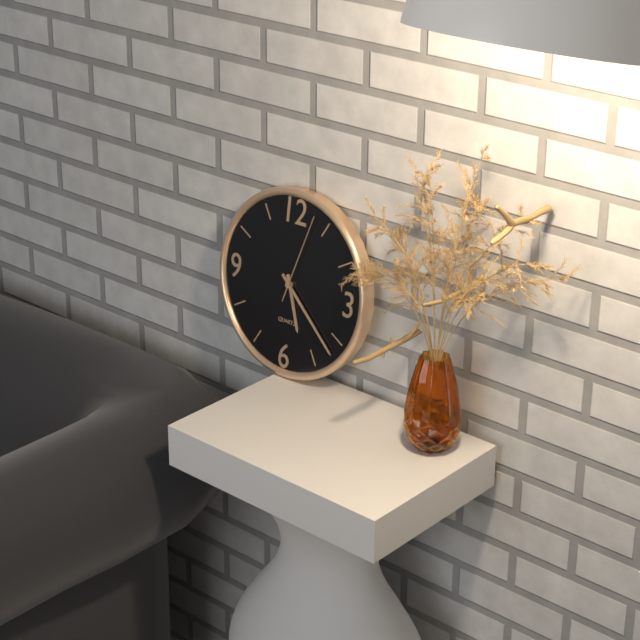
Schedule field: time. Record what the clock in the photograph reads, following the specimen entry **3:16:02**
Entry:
**5:22:03**
